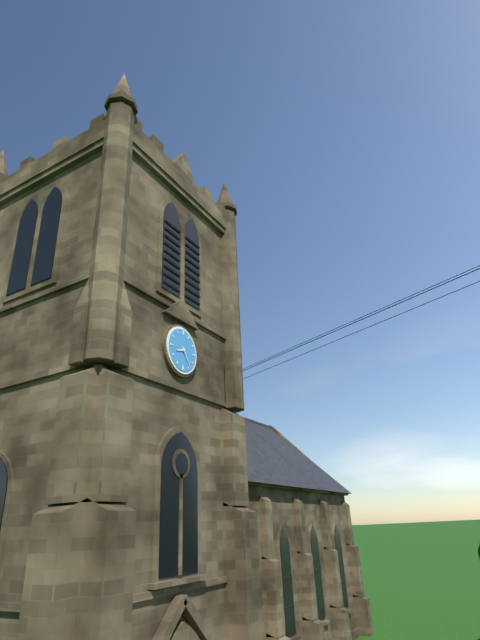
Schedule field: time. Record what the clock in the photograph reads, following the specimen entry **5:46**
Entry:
**8:24**
